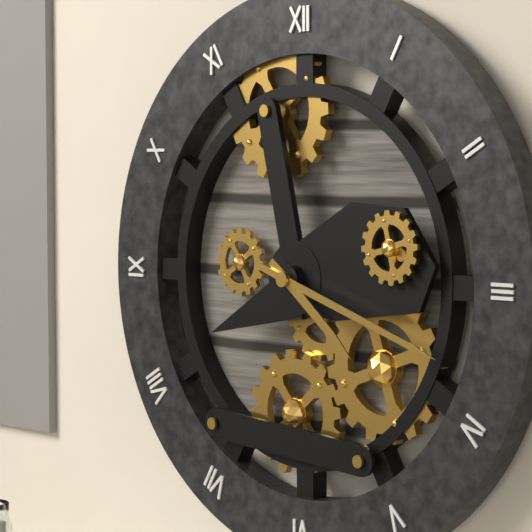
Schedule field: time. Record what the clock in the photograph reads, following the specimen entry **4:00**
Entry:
**4:18**
